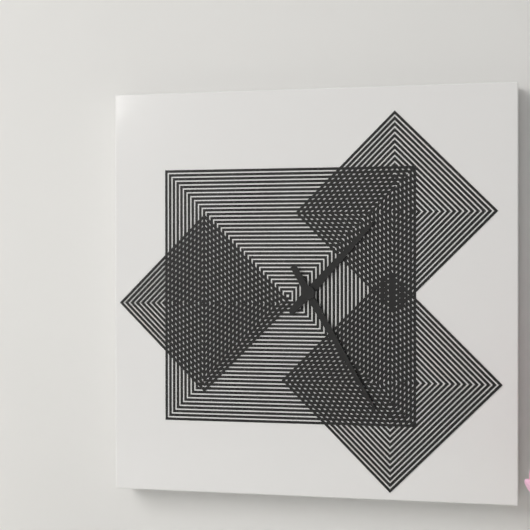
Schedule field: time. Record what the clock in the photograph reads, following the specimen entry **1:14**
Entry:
**1:25**
